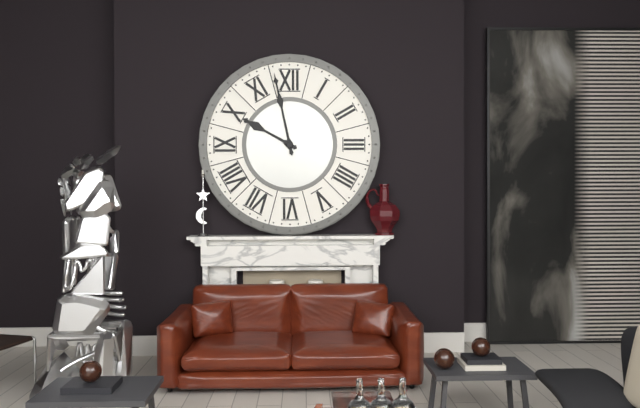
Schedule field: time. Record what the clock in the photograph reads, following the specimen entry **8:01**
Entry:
**9:58**
